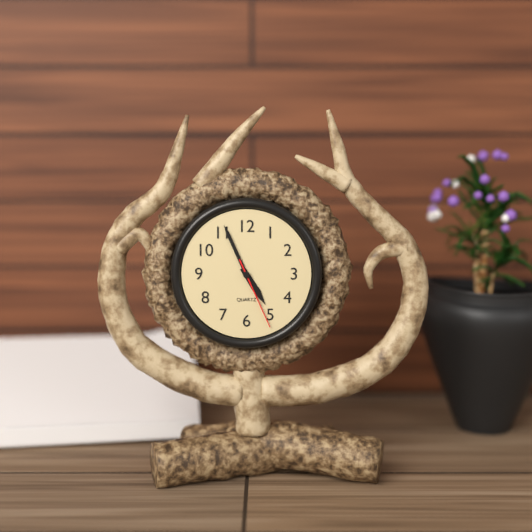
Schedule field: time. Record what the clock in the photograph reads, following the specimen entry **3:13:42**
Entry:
**4:56:26**
